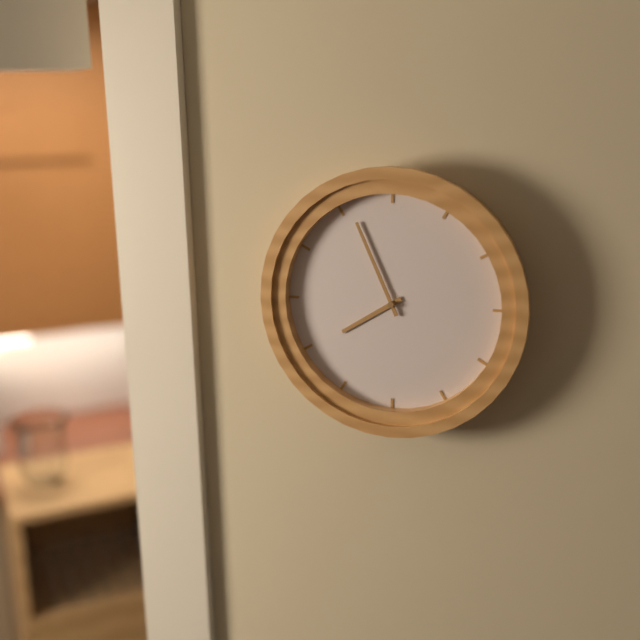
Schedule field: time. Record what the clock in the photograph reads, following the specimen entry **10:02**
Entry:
**7:56**
